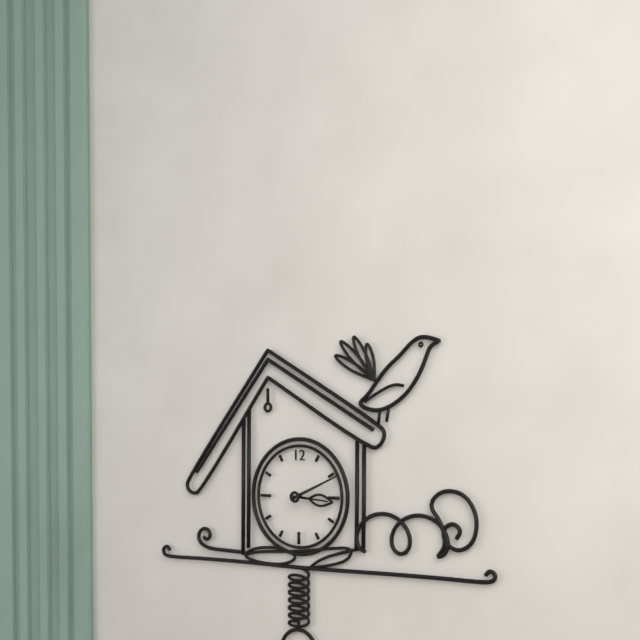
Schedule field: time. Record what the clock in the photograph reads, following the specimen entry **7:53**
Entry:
**3:11**
